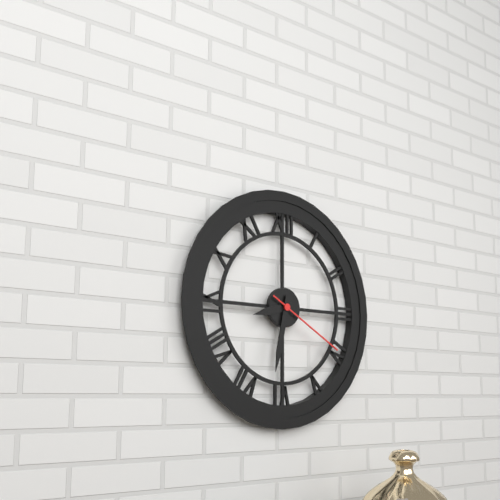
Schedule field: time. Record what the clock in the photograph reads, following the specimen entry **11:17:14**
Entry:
**8:32:20**
